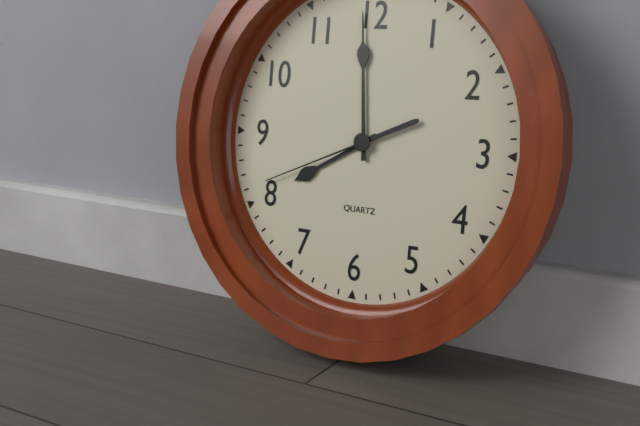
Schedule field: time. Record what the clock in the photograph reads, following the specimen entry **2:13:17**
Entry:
**7:59:41**
